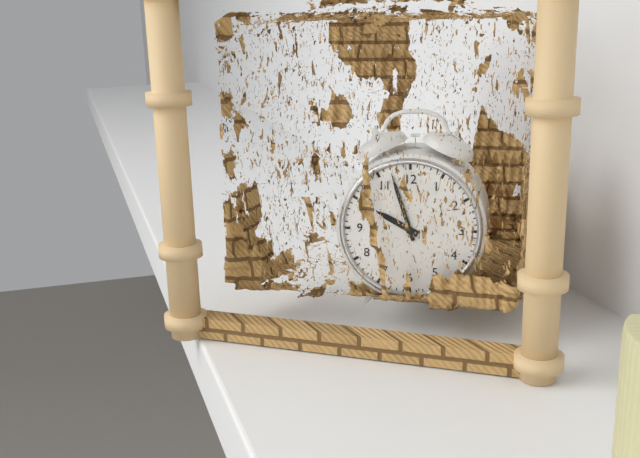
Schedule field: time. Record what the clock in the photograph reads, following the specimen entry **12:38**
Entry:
**9:57**
